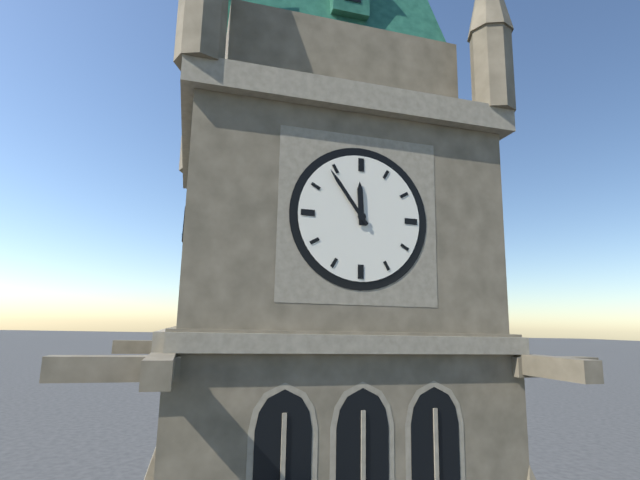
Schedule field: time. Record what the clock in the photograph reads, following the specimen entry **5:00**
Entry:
**11:54**
